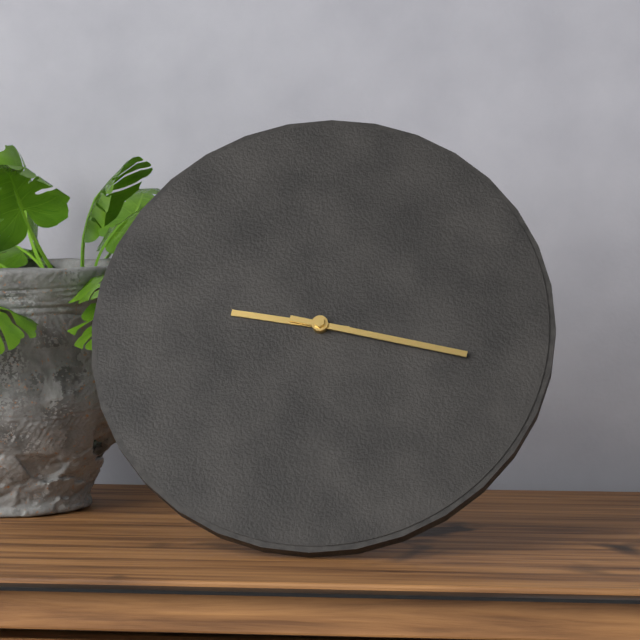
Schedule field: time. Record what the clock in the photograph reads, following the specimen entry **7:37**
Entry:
**9:17**
